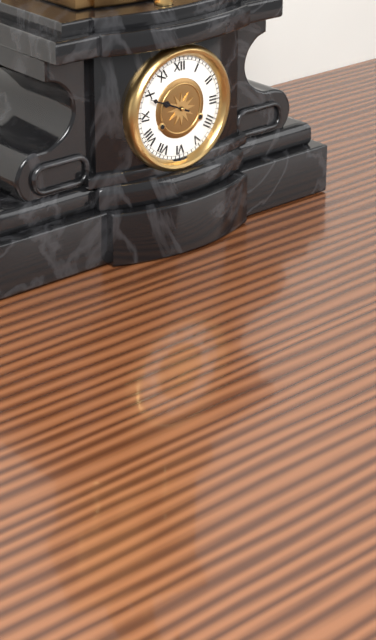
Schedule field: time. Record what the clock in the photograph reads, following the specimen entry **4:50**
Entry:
**9:49**
